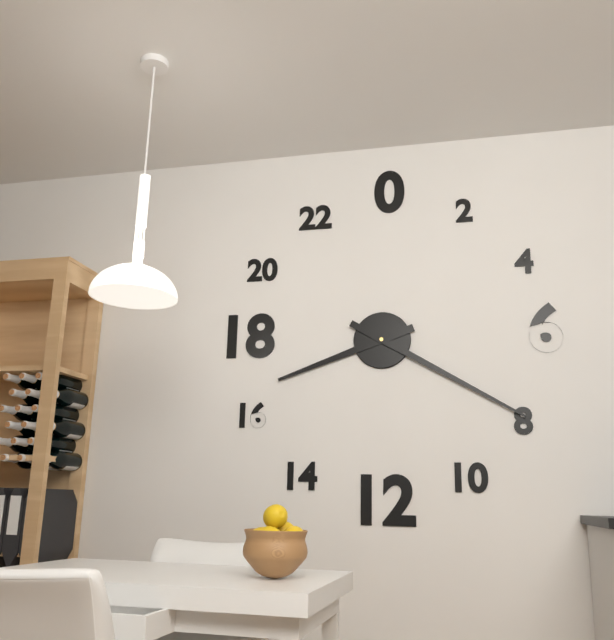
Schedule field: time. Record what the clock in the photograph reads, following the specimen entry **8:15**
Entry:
**8:20**
